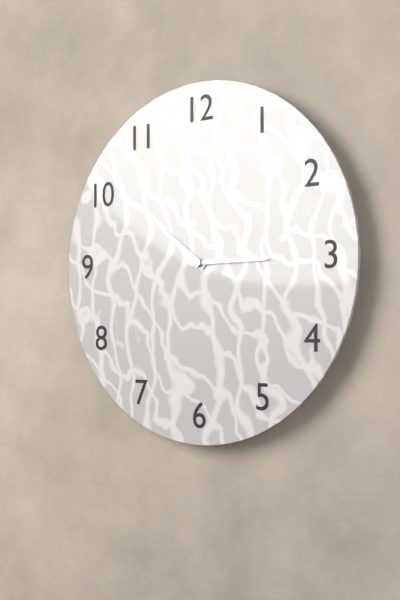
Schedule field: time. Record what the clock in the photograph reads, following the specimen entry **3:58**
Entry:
**10:15**
